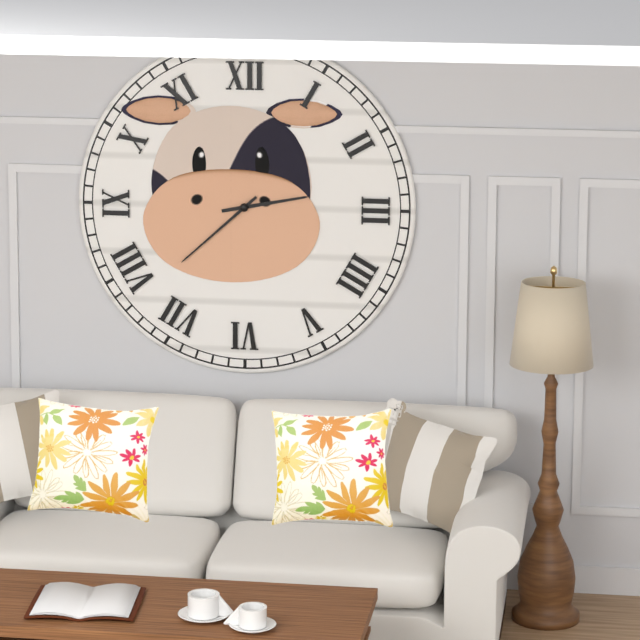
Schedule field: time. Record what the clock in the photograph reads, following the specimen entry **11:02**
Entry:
**2:38**
